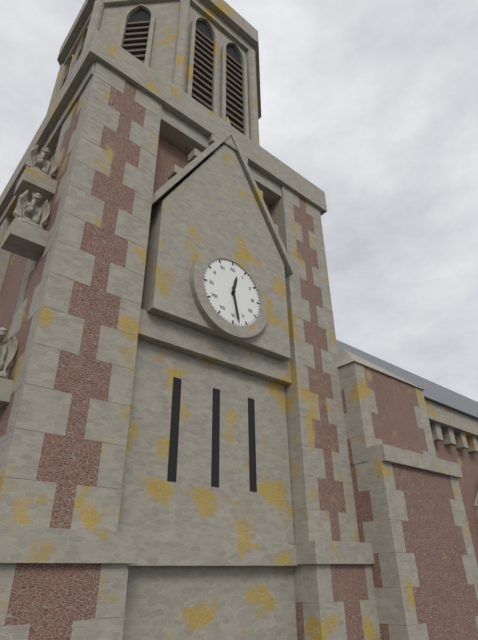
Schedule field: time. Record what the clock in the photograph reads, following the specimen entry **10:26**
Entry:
**12:28**
